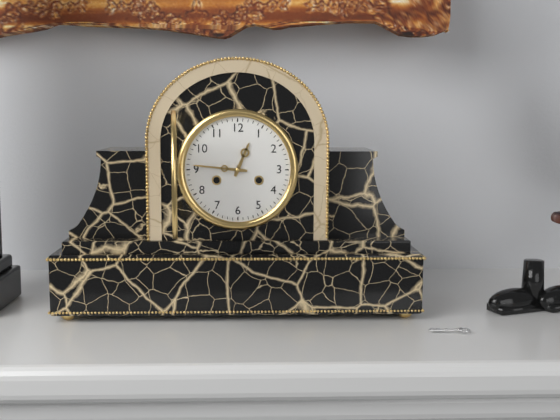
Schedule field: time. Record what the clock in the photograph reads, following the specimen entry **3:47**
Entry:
**12:46**
